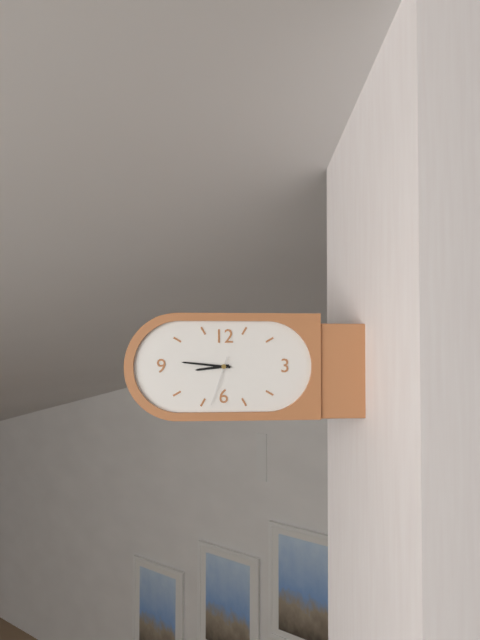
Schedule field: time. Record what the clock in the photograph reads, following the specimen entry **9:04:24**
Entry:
**8:46:33**
